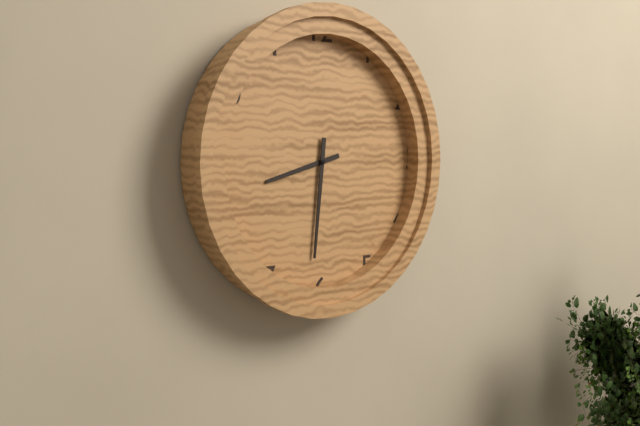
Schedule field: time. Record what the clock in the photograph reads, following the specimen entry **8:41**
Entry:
**8:31**
